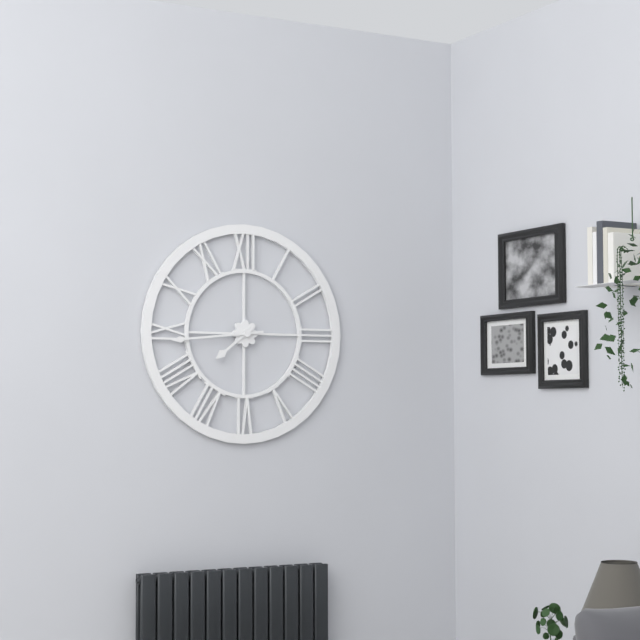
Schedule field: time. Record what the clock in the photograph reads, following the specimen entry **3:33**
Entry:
**7:44**
